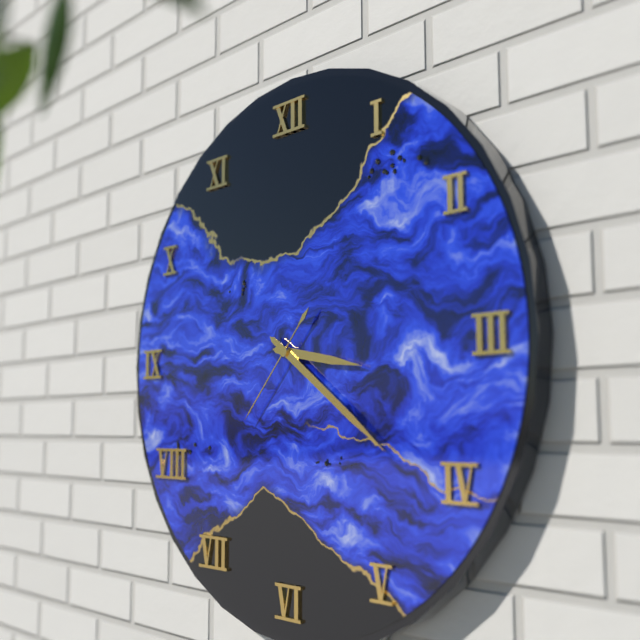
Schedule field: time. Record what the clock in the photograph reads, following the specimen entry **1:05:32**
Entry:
**3:21:37**
